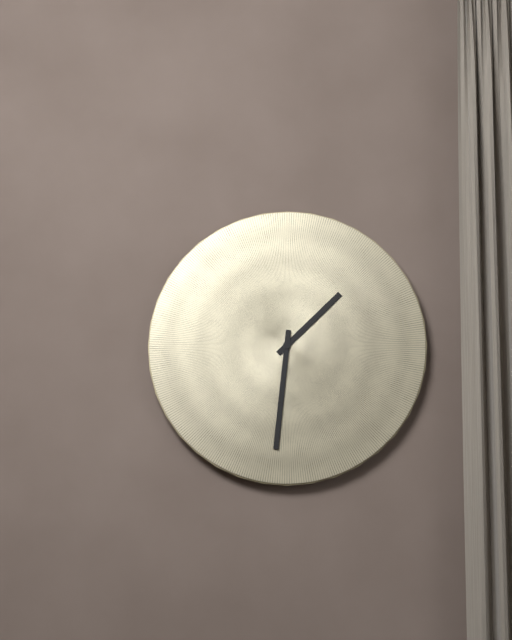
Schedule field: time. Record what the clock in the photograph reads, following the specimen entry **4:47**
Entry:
**1:31**
